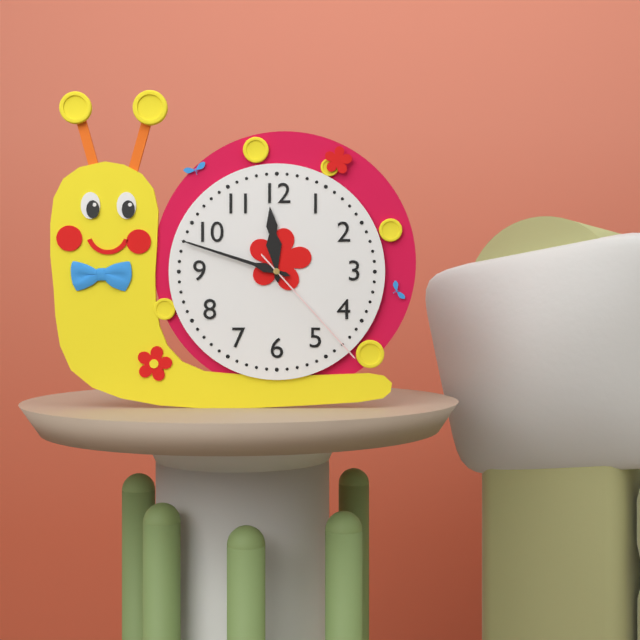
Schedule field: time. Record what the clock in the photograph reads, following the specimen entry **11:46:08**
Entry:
**11:48:23**
